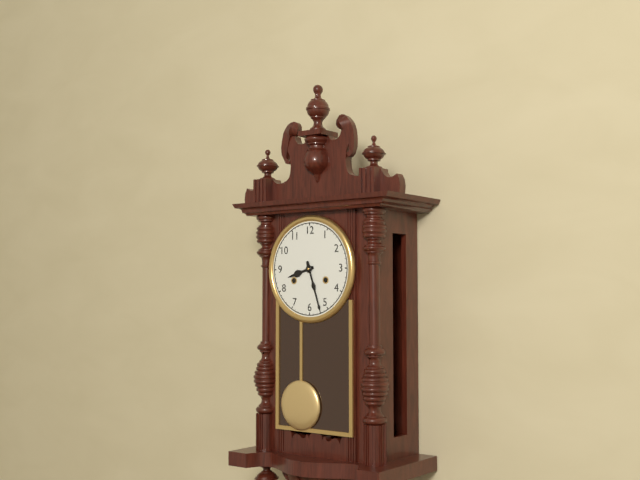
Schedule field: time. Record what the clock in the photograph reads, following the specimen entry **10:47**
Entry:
**8:27**
